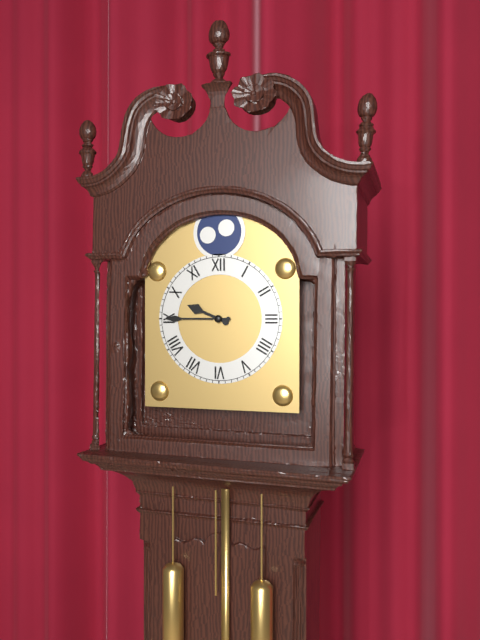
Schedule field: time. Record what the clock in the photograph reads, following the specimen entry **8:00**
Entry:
**9:45**
